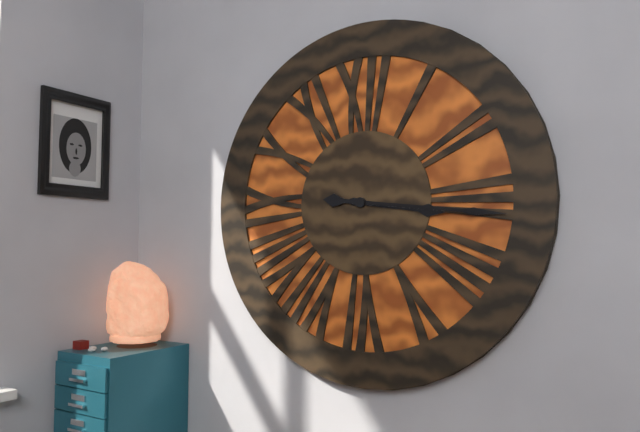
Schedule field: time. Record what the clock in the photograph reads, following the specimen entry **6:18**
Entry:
**3:16**
